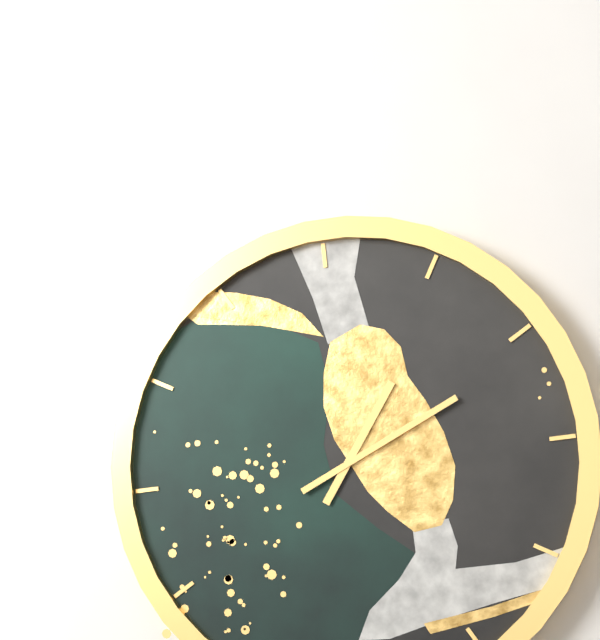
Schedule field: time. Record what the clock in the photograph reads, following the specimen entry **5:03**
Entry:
**1:11**
